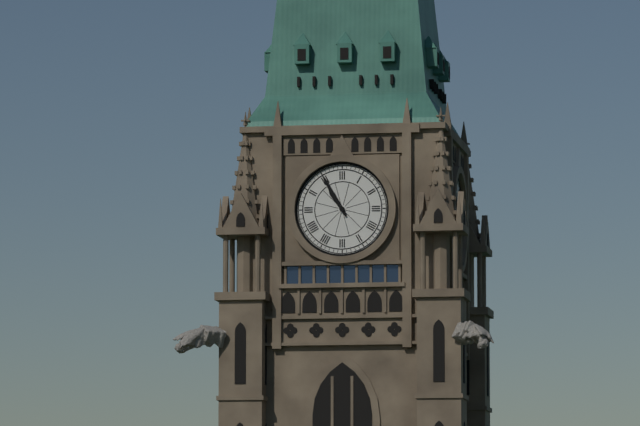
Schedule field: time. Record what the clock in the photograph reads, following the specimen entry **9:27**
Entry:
**10:55**
